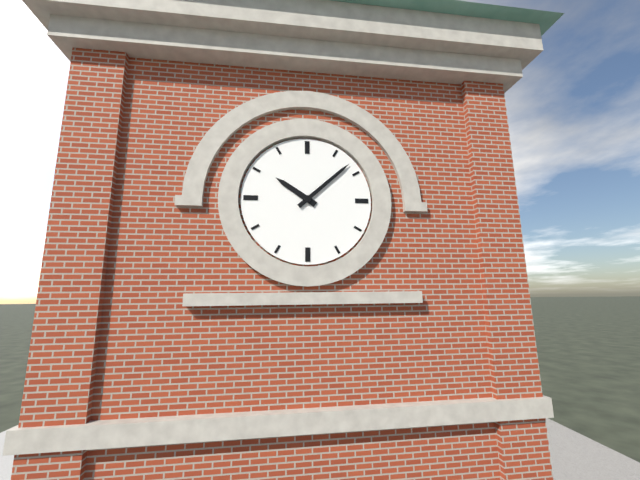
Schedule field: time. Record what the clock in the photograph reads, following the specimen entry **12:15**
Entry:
**10:08**
